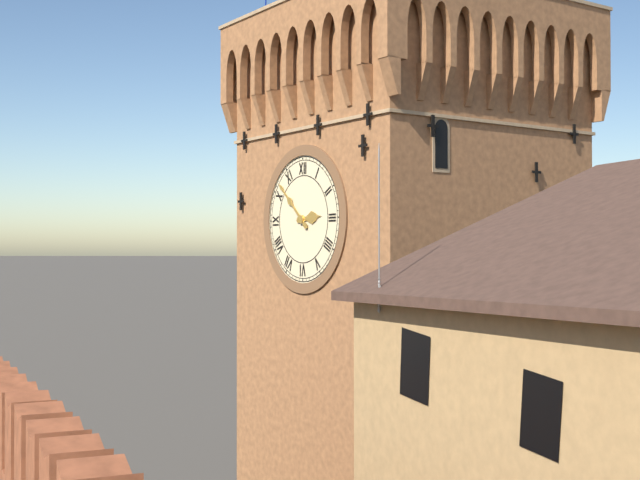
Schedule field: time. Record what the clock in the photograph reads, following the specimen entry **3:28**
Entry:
**2:52**
